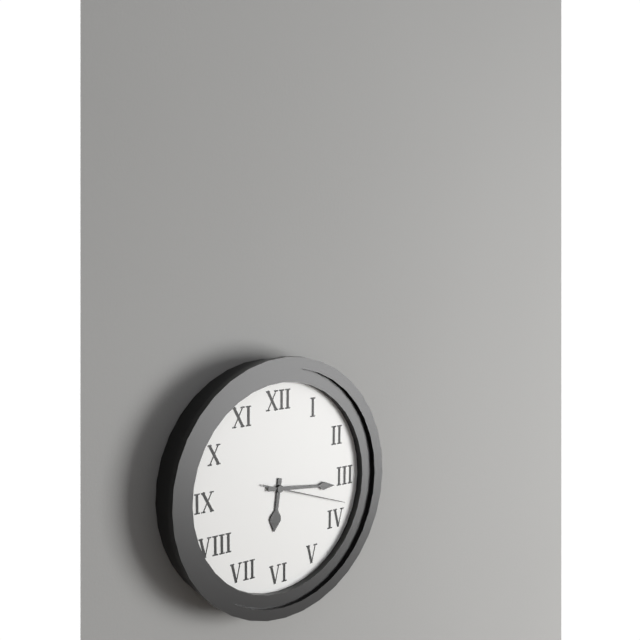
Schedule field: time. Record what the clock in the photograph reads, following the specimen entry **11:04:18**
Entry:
**6:16:18**
